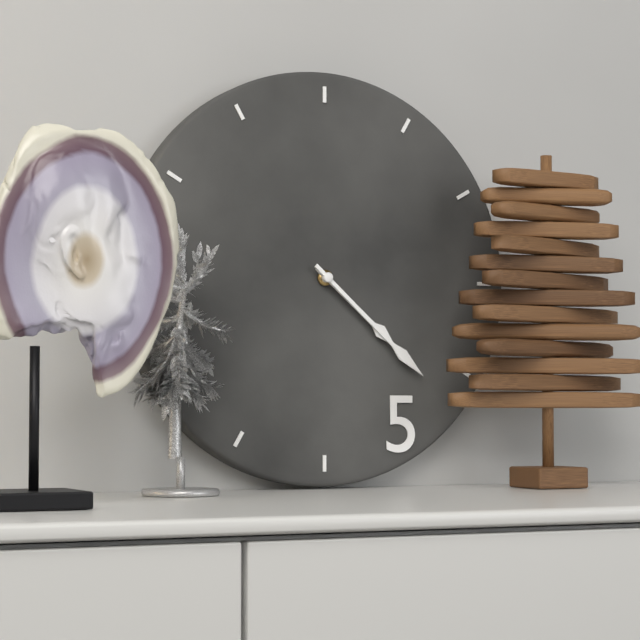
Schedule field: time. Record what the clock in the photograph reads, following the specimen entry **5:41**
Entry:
**4:22**
